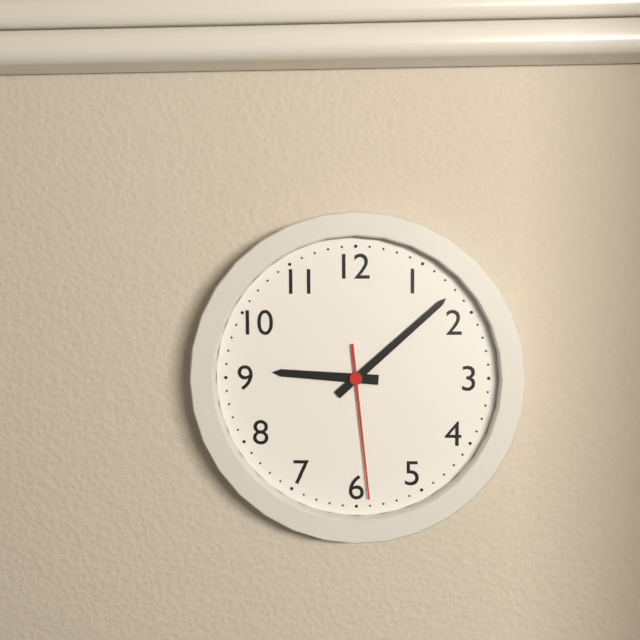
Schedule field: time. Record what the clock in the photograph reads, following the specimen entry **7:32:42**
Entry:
**9:08:29**
